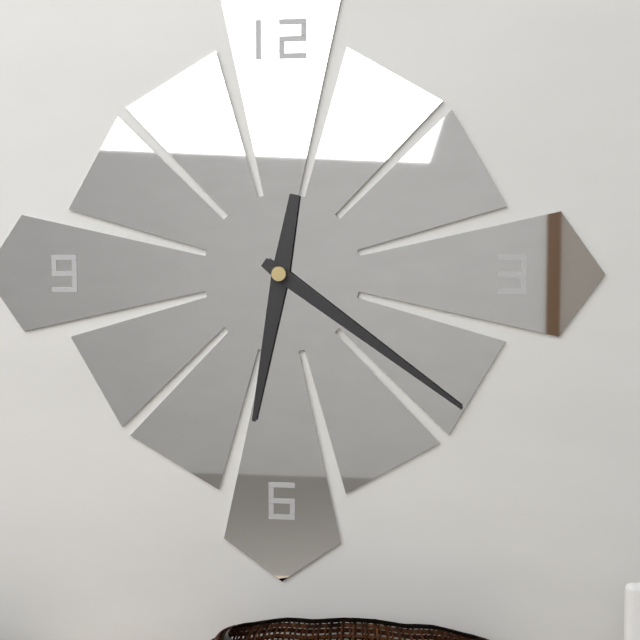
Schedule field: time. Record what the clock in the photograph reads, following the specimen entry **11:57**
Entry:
**6:21**
